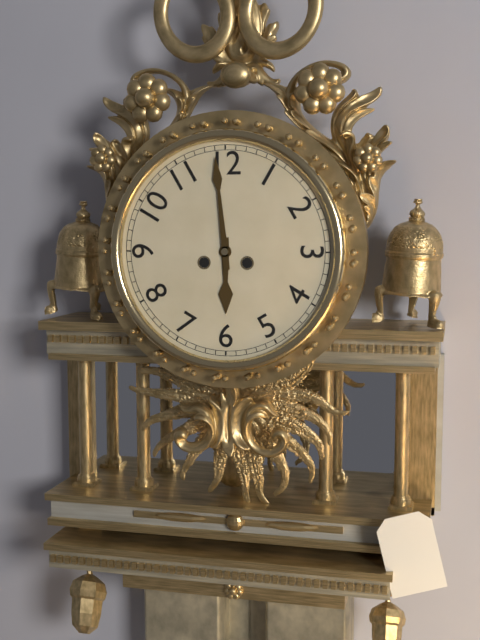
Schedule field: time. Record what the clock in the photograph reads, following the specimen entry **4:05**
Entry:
**5:59**
